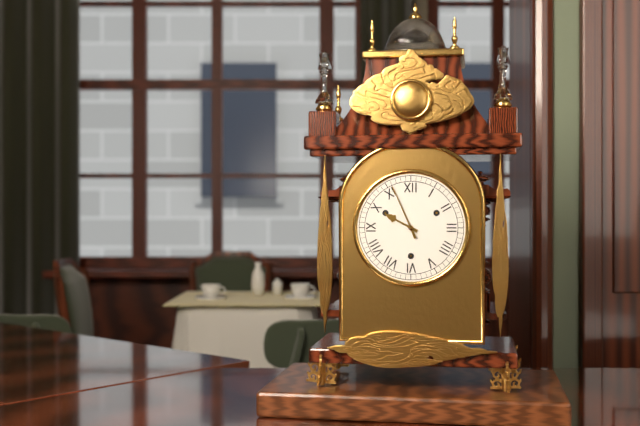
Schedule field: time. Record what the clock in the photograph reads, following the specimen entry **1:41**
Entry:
**9:56**
